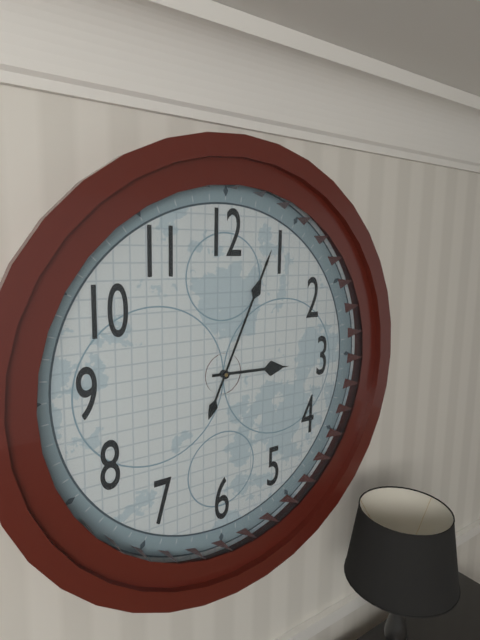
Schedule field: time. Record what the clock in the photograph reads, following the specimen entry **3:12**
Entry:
**3:04**
